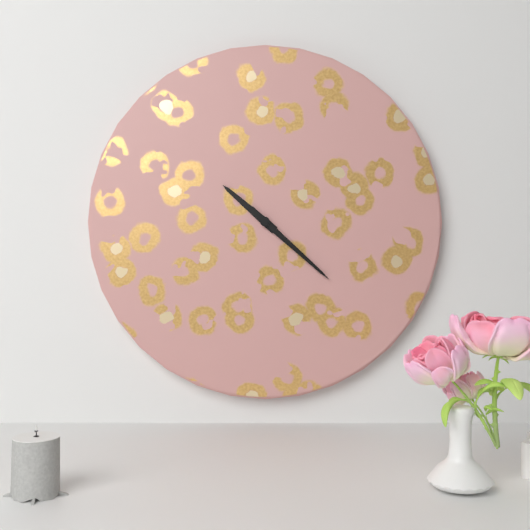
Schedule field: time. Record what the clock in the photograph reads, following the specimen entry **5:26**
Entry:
**10:22**
